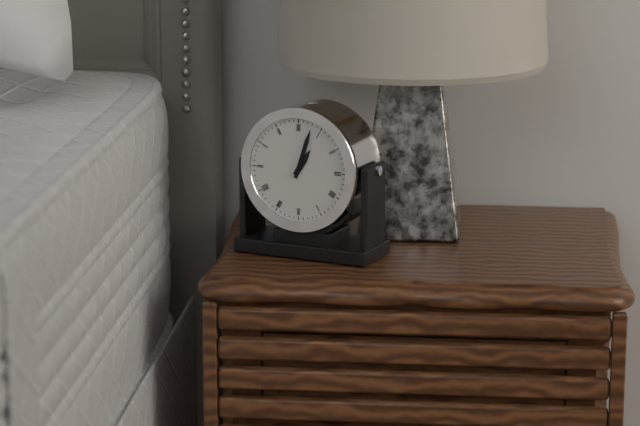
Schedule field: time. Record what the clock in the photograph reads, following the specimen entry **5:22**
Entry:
**1:03**
